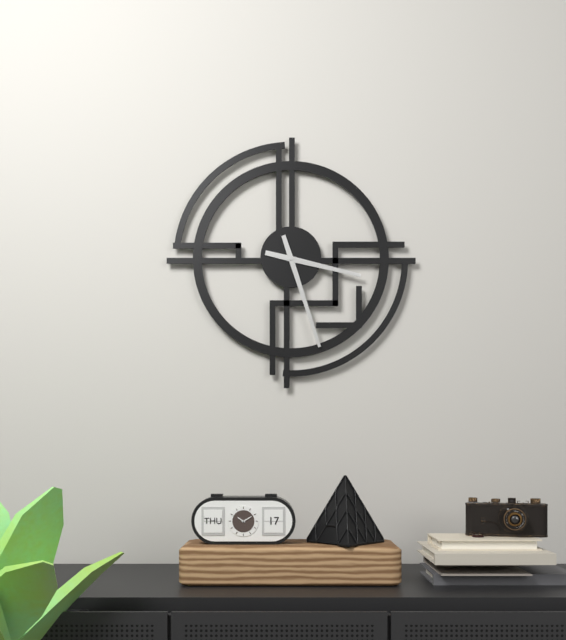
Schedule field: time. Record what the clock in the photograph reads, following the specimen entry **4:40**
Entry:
**3:27**
